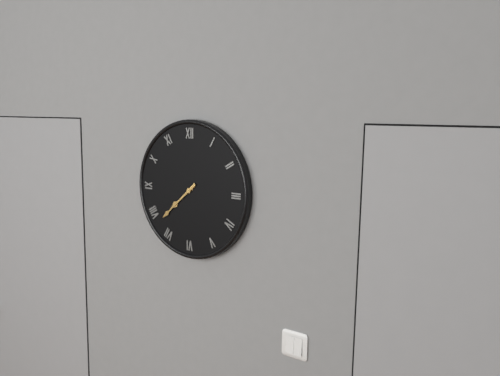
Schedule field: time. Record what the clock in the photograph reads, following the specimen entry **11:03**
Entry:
**7:38**
